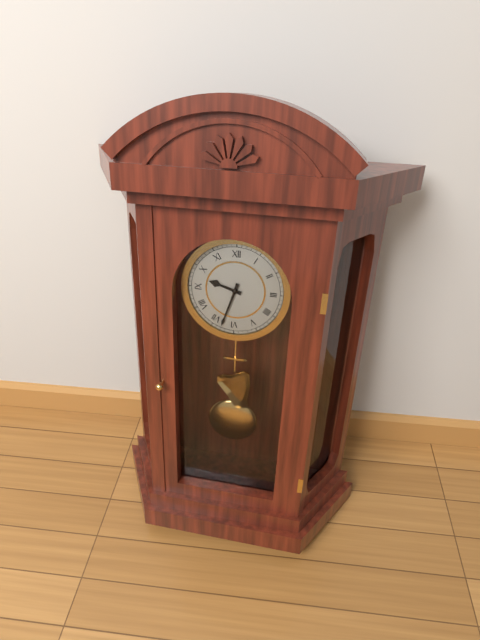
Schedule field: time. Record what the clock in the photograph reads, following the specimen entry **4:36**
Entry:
**9:33**
